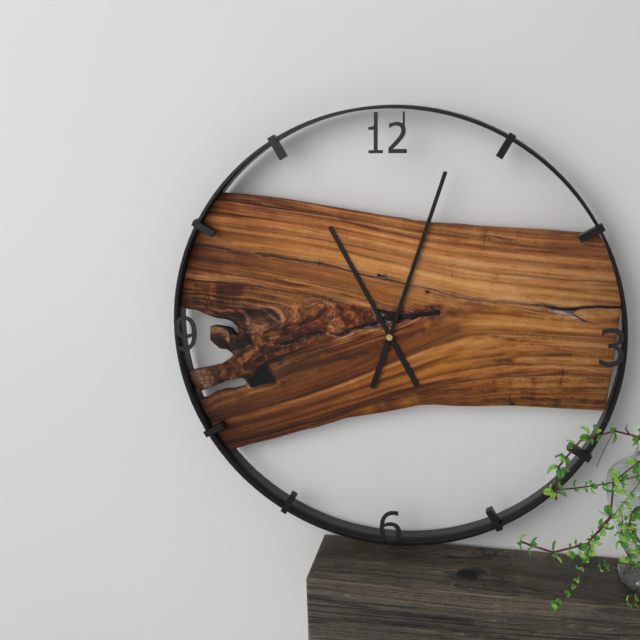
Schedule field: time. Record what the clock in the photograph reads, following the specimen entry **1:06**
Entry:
**11:03**
